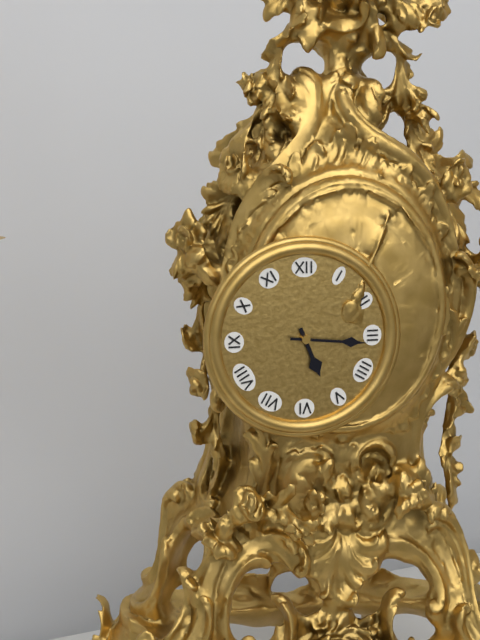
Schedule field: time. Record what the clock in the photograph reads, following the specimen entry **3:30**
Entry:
**5:16**
